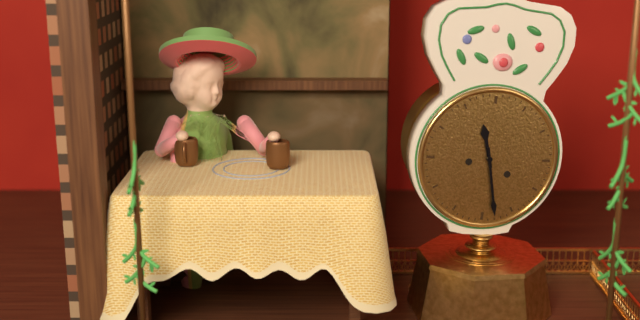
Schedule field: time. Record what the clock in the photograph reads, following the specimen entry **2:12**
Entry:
**11:28**
